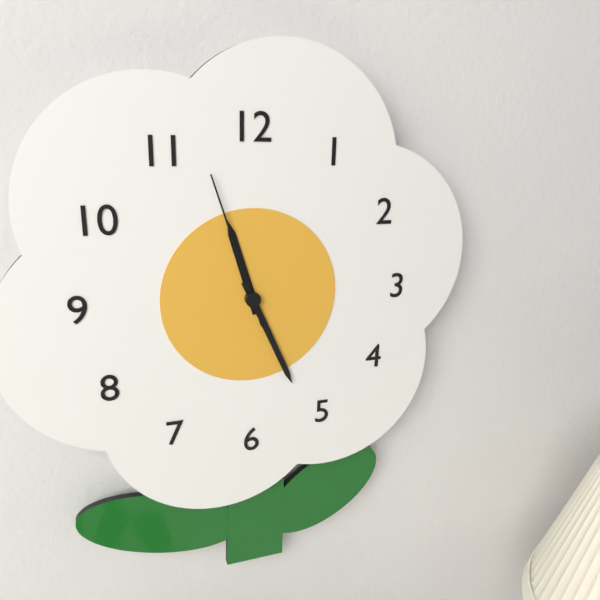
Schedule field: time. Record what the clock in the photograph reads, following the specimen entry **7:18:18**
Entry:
**11:26:57**
